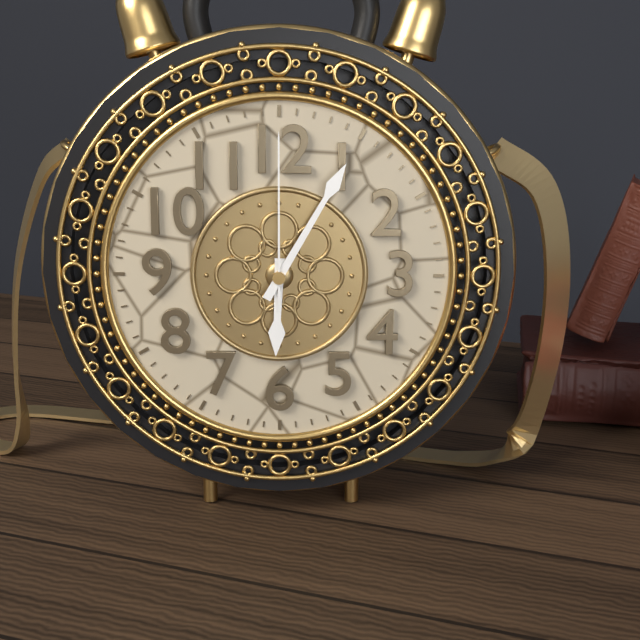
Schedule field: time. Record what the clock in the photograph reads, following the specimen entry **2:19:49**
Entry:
**6:05:00**
